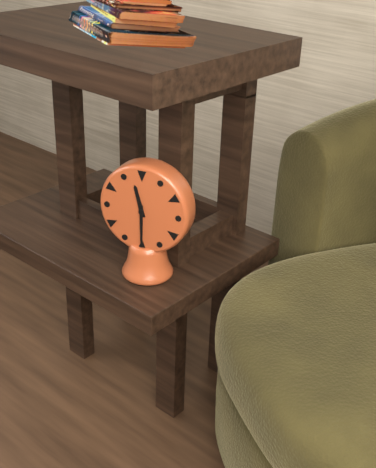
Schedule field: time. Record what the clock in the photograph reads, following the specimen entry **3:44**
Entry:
**11:30**
